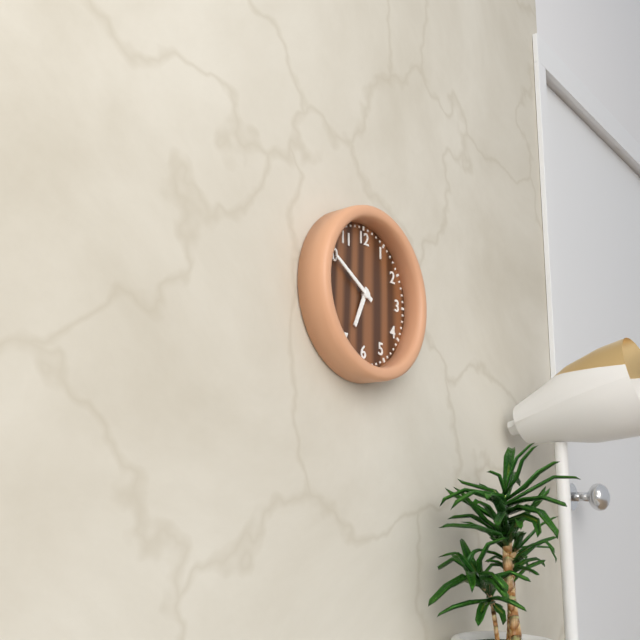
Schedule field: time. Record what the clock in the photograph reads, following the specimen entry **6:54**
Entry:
**6:50**
